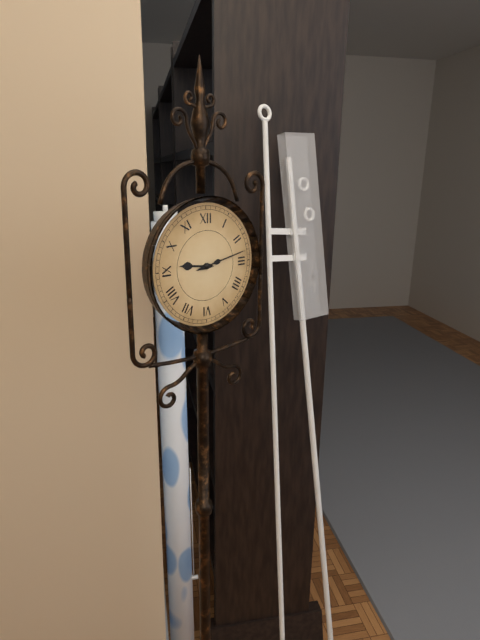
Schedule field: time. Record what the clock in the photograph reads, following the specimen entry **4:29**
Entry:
**9:13**
